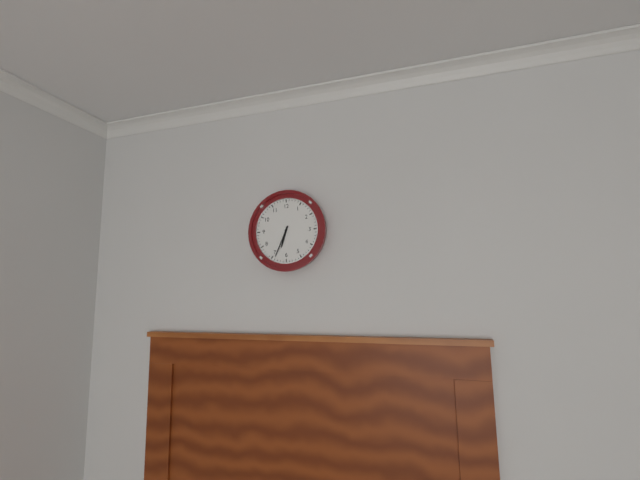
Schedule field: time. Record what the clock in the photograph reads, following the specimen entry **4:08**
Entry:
**6:34**
